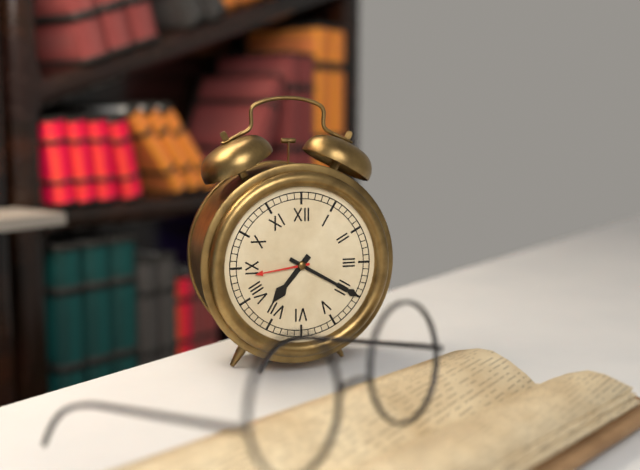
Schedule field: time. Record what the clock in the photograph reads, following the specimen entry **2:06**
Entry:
**7:20**
